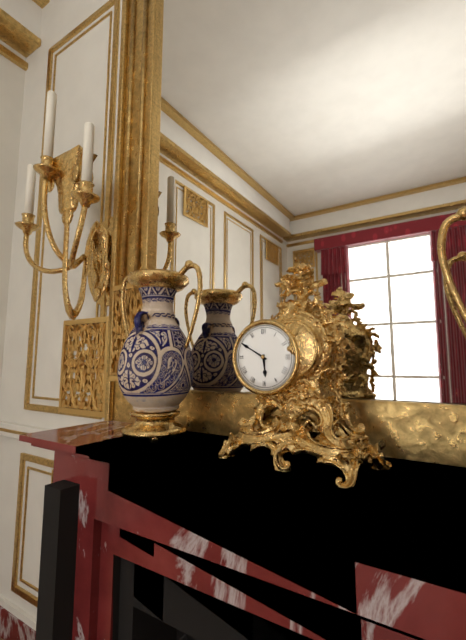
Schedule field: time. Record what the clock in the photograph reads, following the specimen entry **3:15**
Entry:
**5:50**
